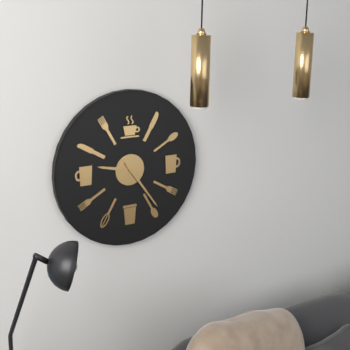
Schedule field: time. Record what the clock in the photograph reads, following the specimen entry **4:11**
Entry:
**9:24**
